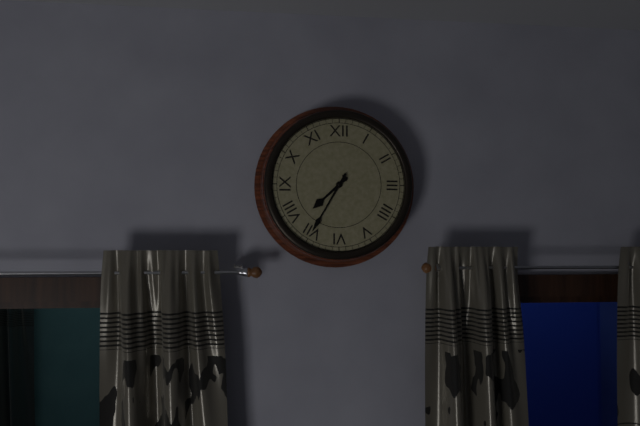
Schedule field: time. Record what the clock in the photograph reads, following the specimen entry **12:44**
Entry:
**7:35**
